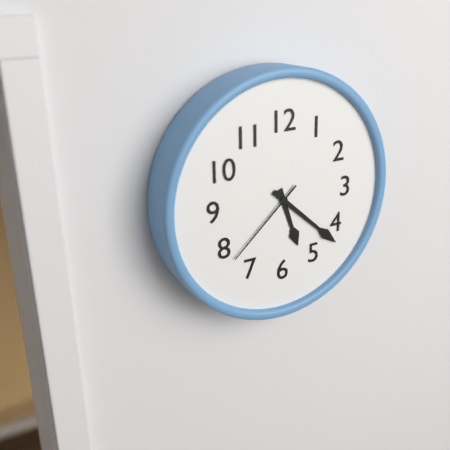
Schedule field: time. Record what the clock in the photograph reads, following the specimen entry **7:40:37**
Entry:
**5:22:38**
